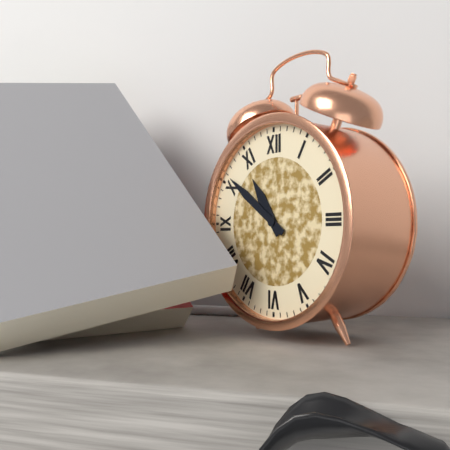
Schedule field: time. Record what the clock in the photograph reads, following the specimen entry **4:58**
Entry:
**10:51**
